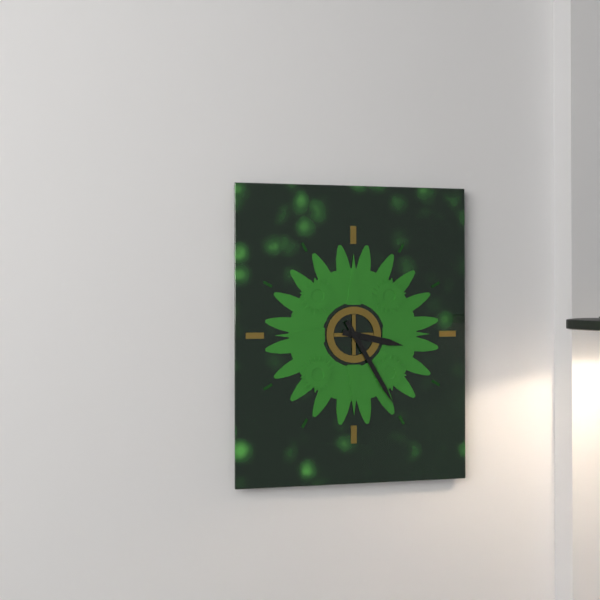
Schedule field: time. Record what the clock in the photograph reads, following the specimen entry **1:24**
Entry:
**3:25**
